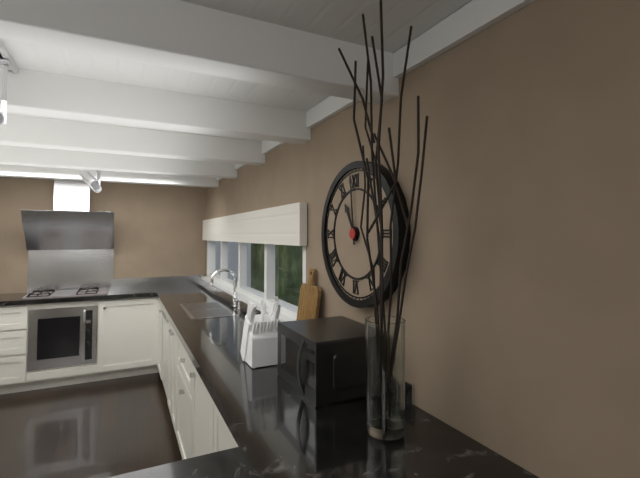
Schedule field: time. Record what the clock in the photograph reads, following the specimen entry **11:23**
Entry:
**10:59**
